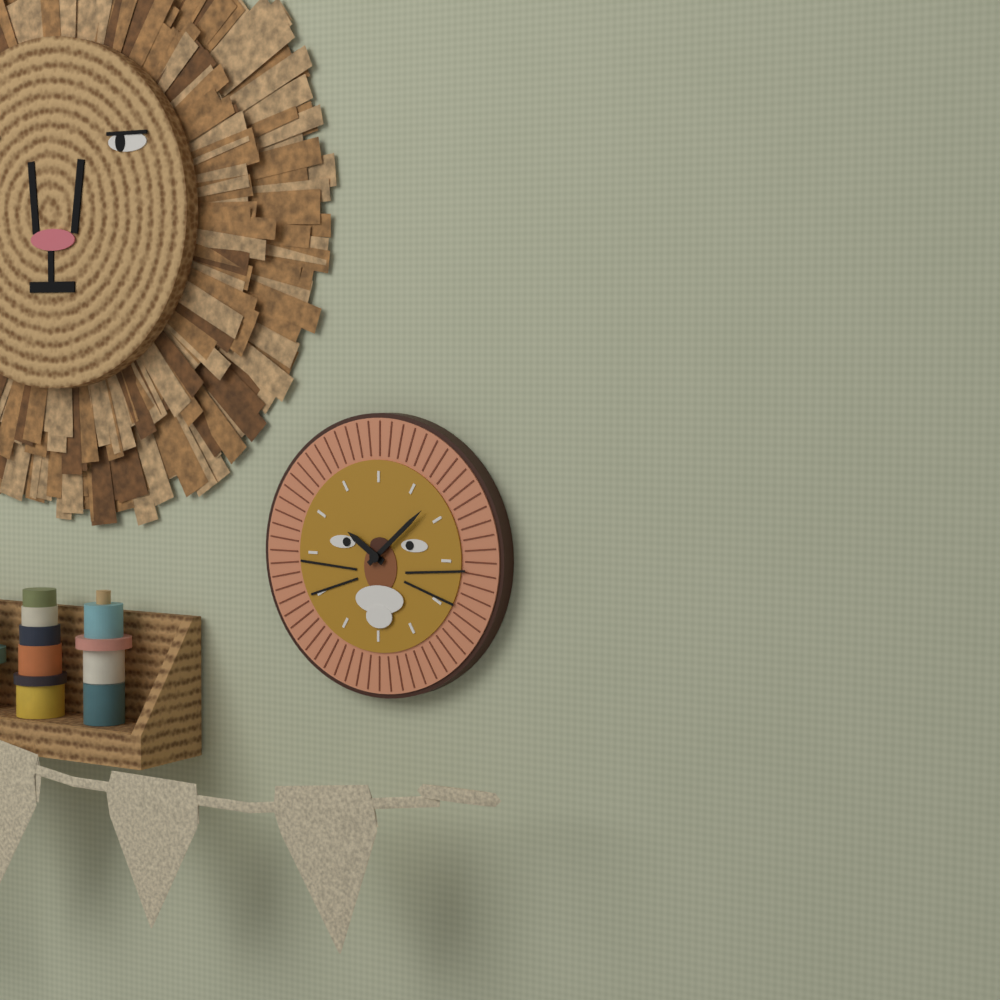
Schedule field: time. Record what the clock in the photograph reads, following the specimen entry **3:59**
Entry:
**10:08**
